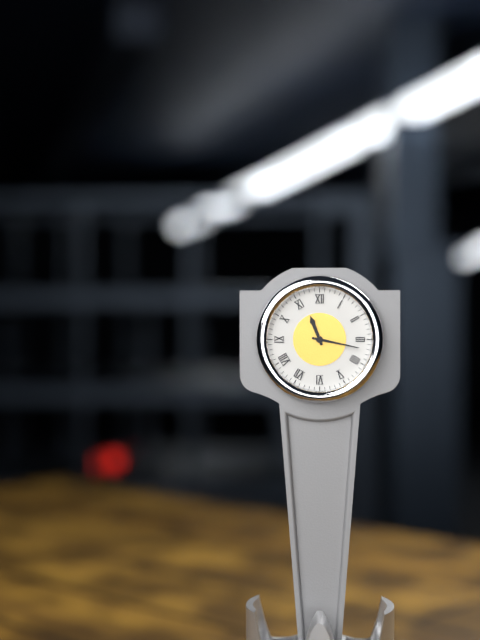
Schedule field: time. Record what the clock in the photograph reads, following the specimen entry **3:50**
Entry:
**11:17**
